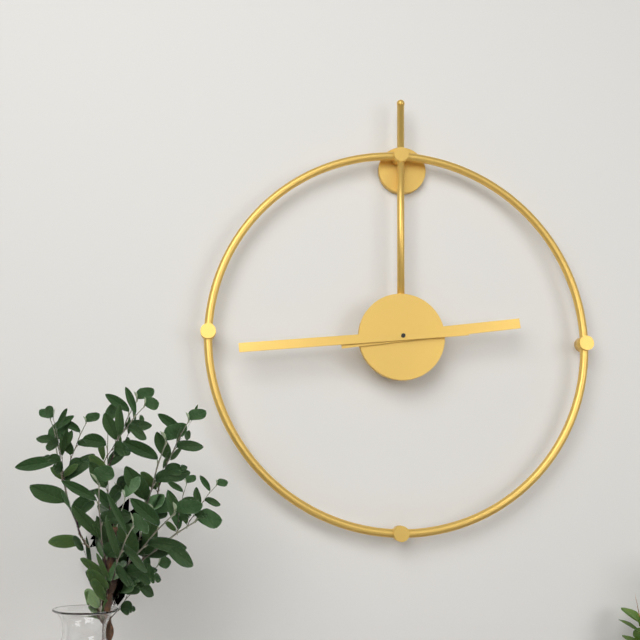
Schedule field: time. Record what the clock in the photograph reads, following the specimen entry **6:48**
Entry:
**2:44**
